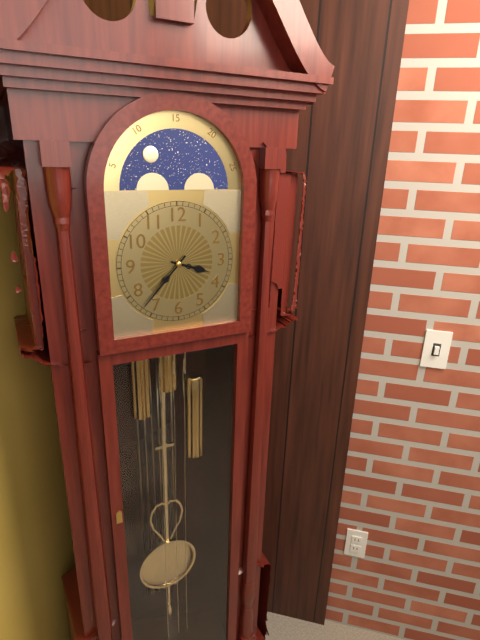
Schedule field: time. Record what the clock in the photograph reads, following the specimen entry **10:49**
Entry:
**3:37**
